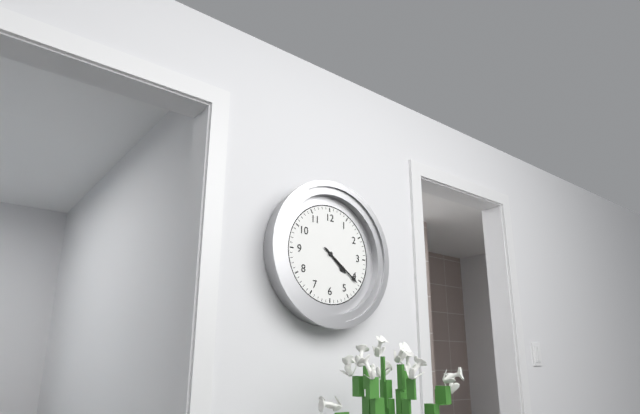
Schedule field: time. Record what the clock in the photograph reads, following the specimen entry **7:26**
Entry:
**4:21**
